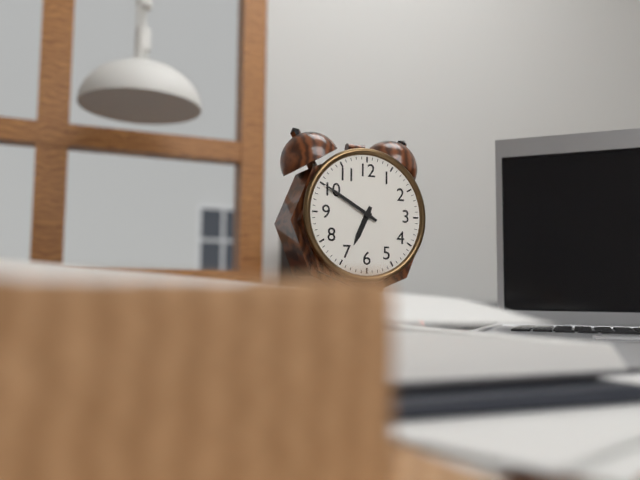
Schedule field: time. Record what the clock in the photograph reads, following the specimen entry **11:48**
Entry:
**6:50**
